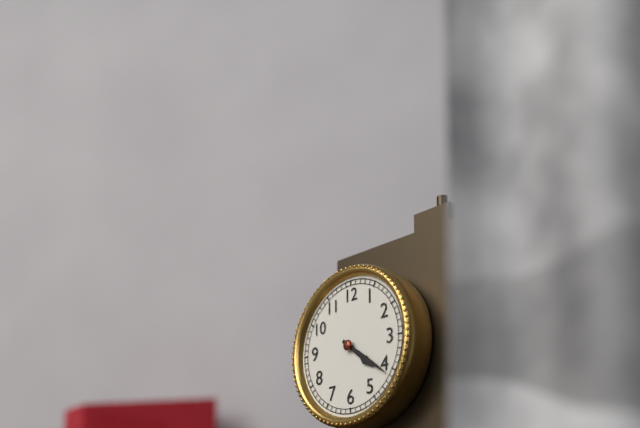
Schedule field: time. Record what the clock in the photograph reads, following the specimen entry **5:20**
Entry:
**4:21**
